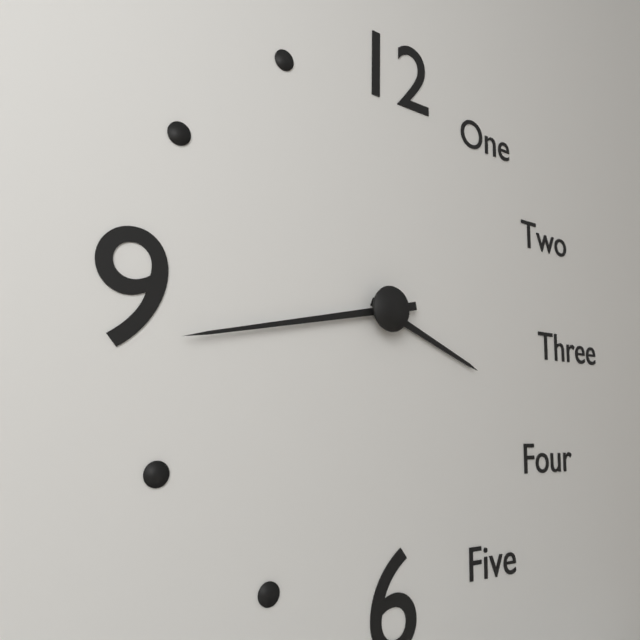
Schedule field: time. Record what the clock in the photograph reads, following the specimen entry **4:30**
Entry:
**3:43**
